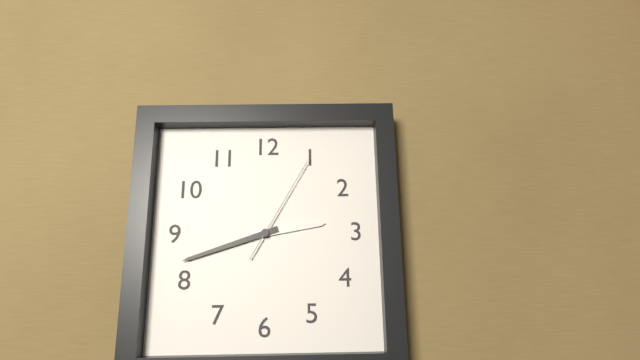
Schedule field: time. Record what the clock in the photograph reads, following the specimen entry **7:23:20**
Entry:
**2:42:05**
